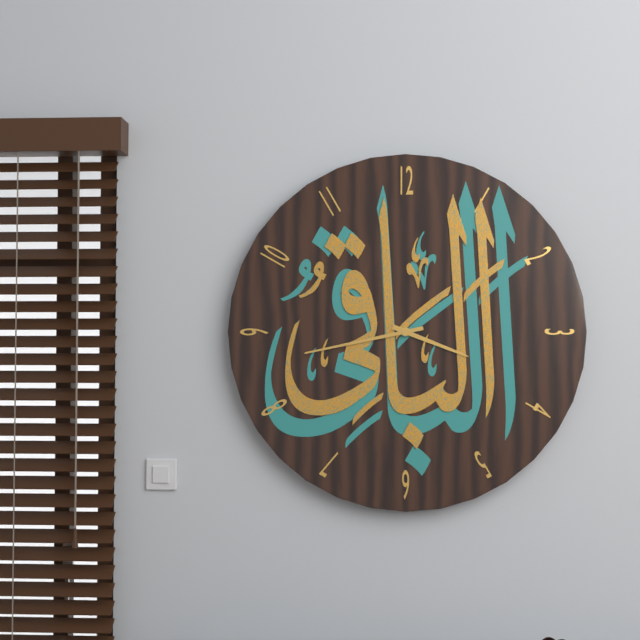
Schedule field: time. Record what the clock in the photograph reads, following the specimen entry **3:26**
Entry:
**3:43**
